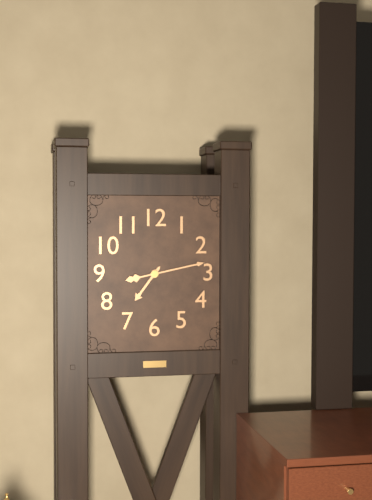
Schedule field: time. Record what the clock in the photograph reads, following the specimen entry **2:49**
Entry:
**7:13**
